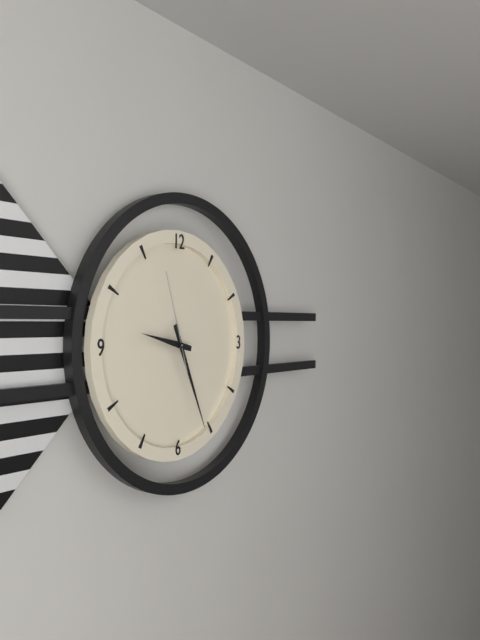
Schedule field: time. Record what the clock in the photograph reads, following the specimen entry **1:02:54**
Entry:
**9:26:57**
